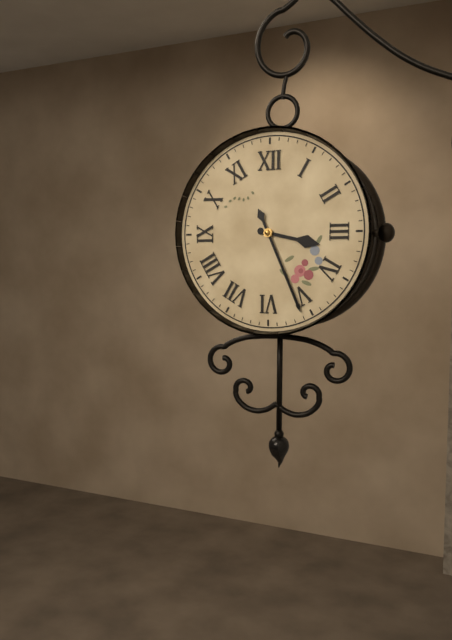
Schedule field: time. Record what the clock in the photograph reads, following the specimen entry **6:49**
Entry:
**3:26**
